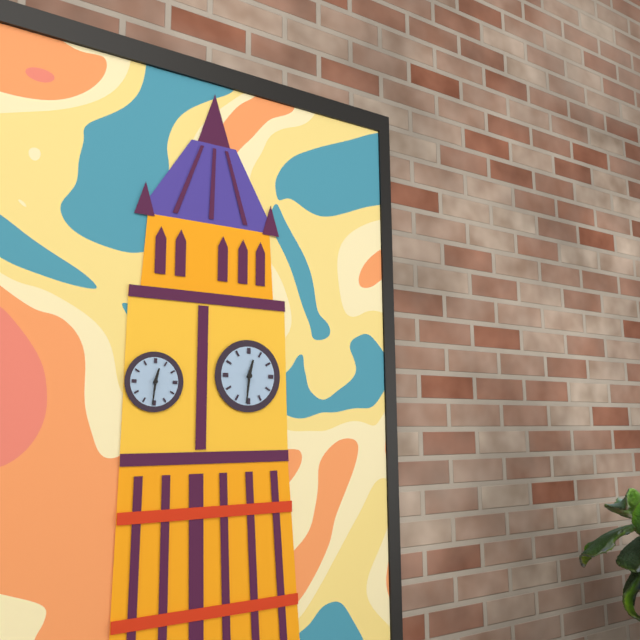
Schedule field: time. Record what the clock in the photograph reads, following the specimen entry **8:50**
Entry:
**12:31**
